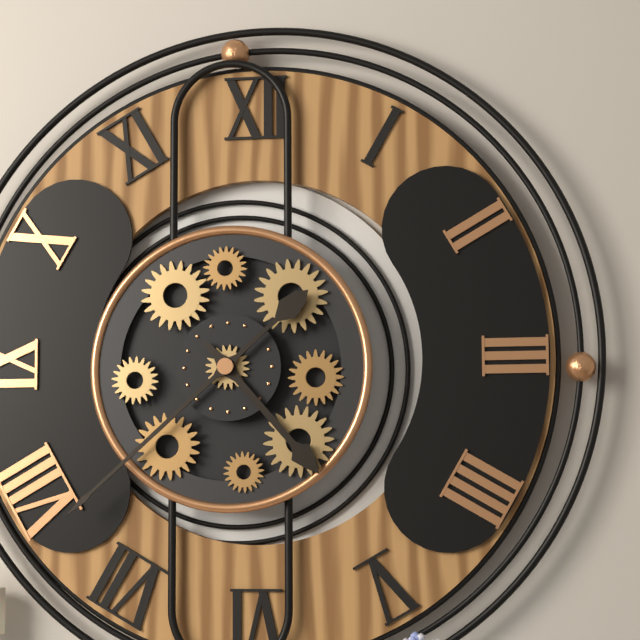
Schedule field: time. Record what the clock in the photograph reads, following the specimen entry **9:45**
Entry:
**4:38**
